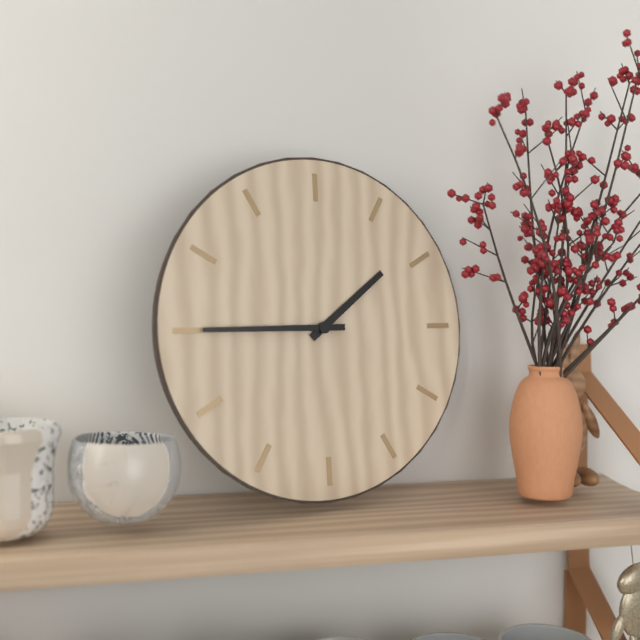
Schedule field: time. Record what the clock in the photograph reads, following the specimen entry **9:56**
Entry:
**1:45**
